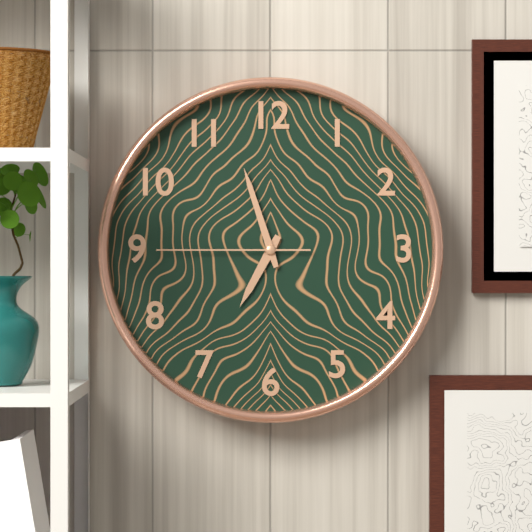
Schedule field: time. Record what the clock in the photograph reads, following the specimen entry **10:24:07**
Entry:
**6:57:45**
